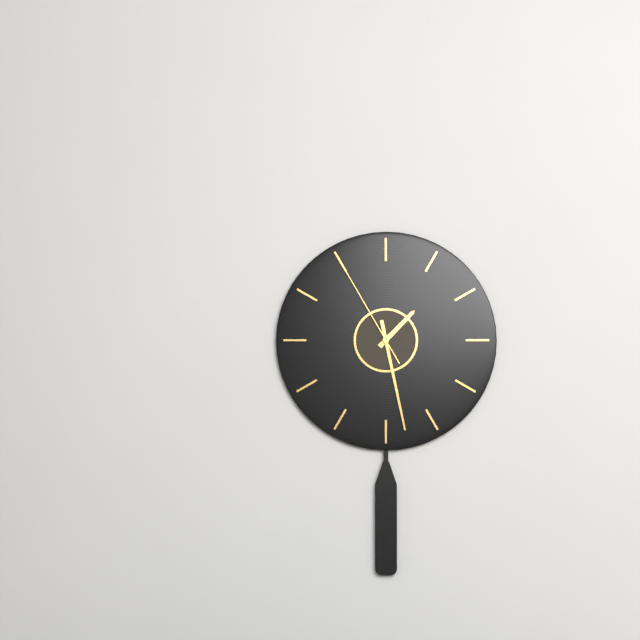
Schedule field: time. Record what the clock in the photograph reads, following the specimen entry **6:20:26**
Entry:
**1:28:55**
